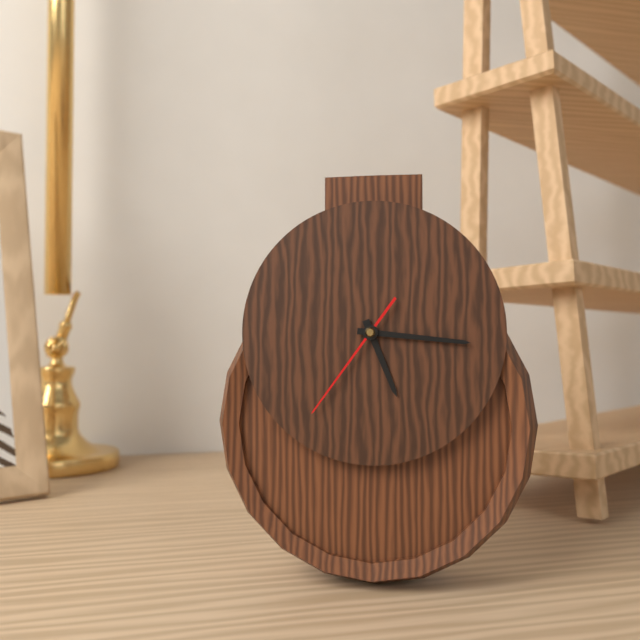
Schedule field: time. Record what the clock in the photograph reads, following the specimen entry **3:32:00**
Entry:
**5:16:36**
